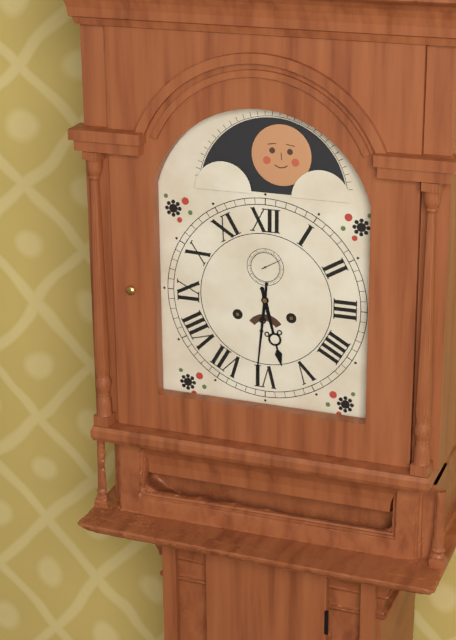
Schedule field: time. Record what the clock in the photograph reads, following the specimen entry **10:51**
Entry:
**5:31**
